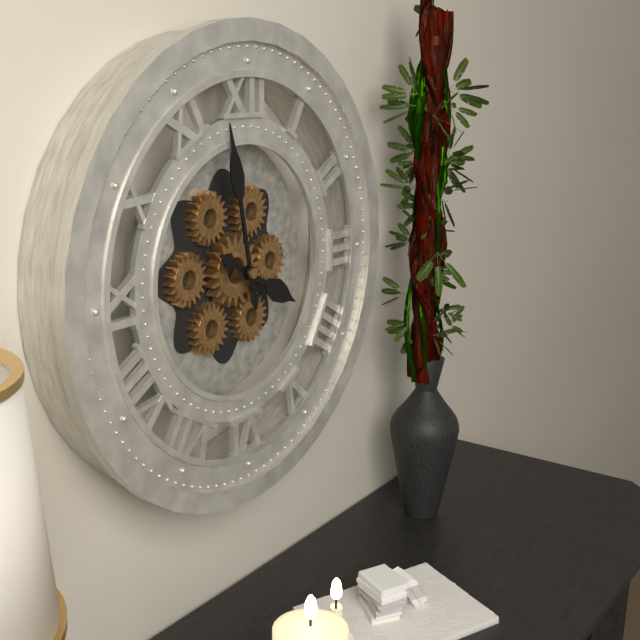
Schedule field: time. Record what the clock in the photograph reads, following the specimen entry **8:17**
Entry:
**3:58**
